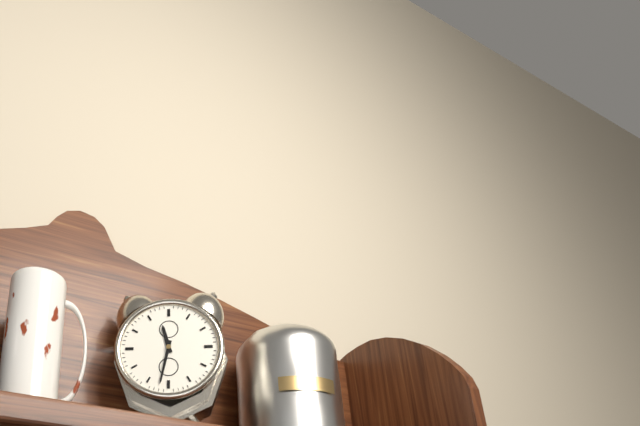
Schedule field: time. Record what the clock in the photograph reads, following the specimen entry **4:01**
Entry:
**11:32**
